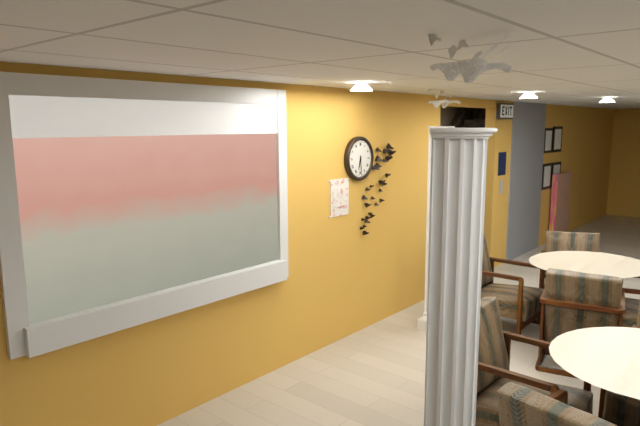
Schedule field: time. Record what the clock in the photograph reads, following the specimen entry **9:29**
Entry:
**6:29**
